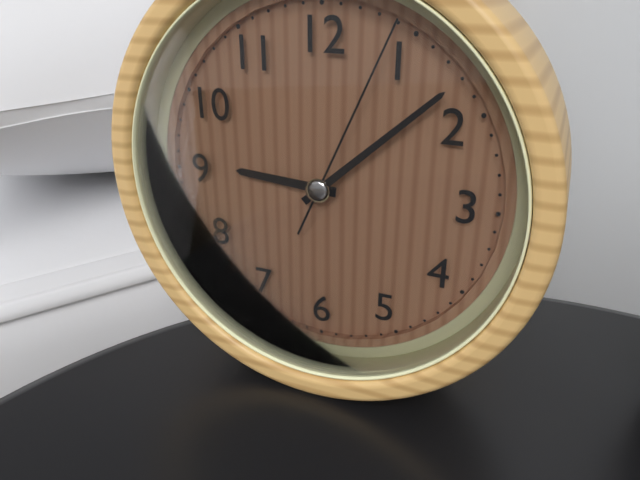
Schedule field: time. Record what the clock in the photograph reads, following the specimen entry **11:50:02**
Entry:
**9:08:04**
